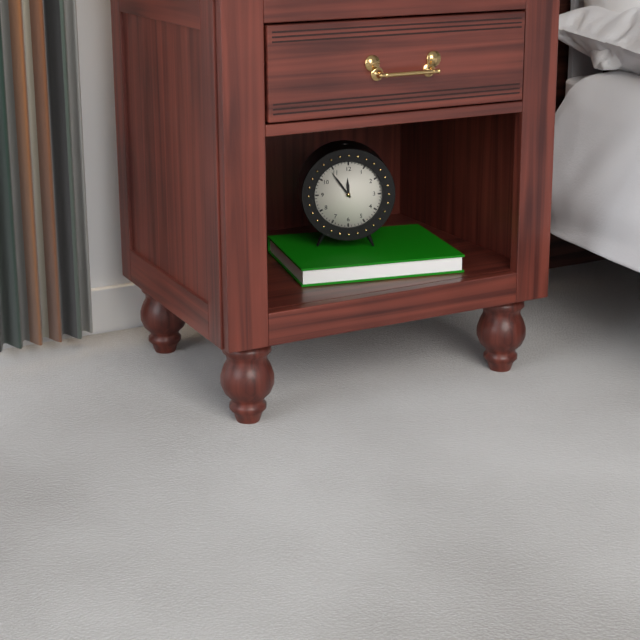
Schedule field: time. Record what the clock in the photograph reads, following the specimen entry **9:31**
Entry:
**11:54**
